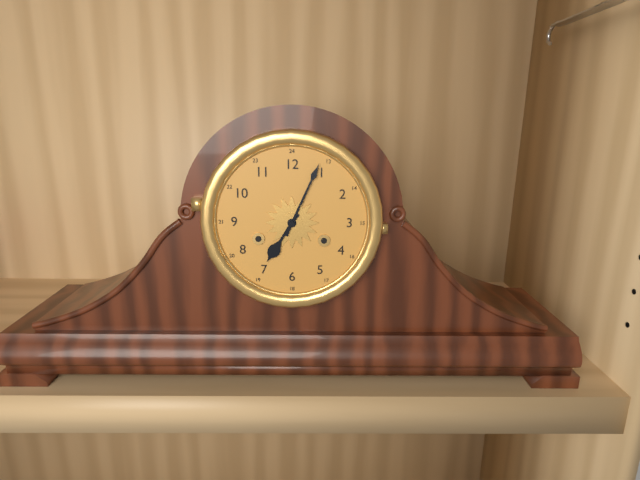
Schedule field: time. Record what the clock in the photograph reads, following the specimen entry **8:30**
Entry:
**7:04**
